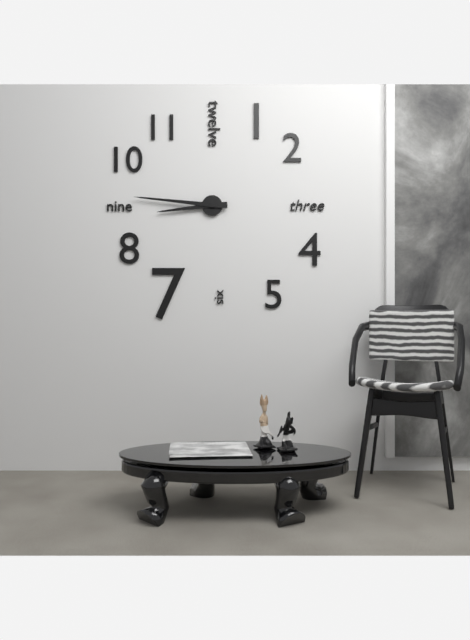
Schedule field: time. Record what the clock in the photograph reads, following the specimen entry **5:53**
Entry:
**8:46**
